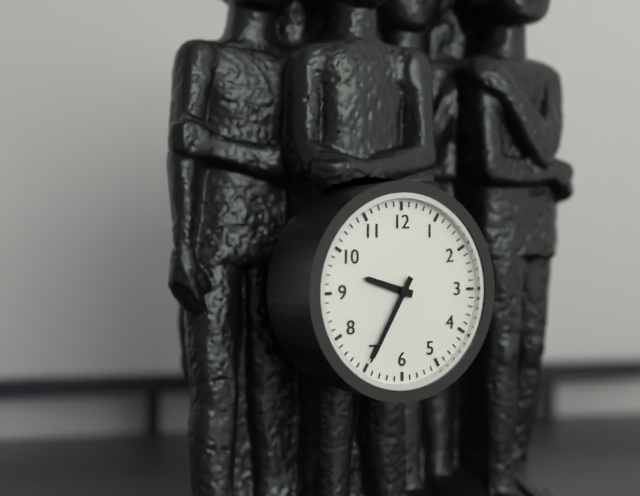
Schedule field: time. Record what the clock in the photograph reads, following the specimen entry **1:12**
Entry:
**9:35**
